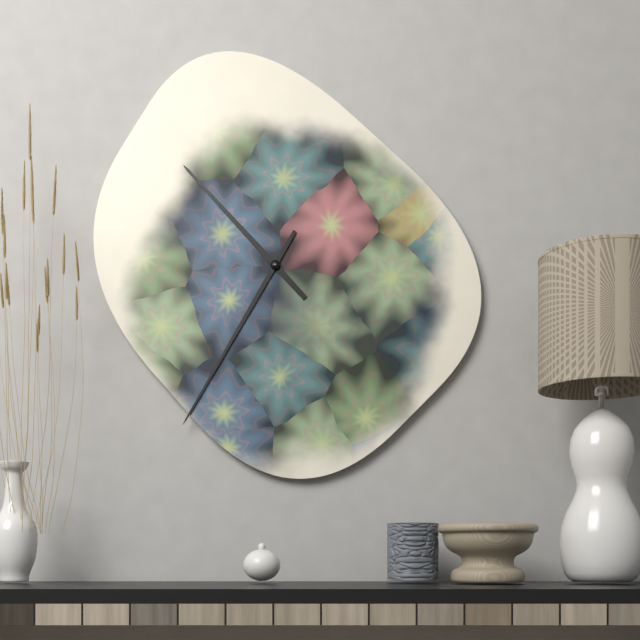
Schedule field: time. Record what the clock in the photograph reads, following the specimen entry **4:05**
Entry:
**10:35**
